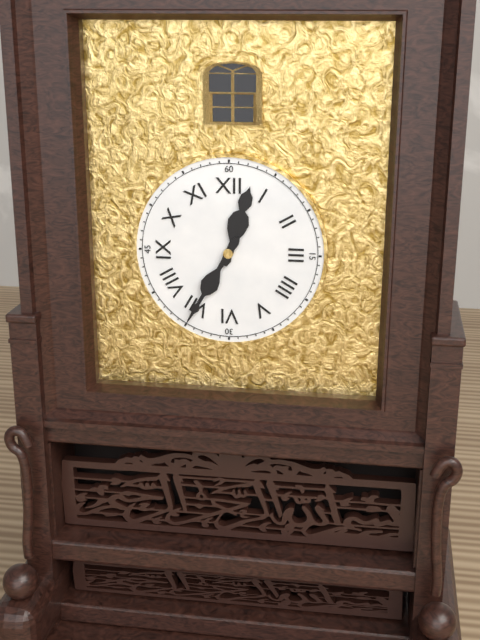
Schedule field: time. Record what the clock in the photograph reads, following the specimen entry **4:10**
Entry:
**12:35**
